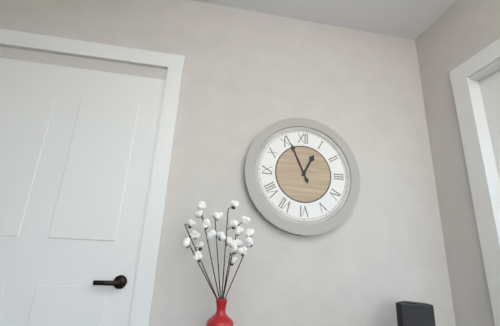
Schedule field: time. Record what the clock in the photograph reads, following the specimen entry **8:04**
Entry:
**12:56**
